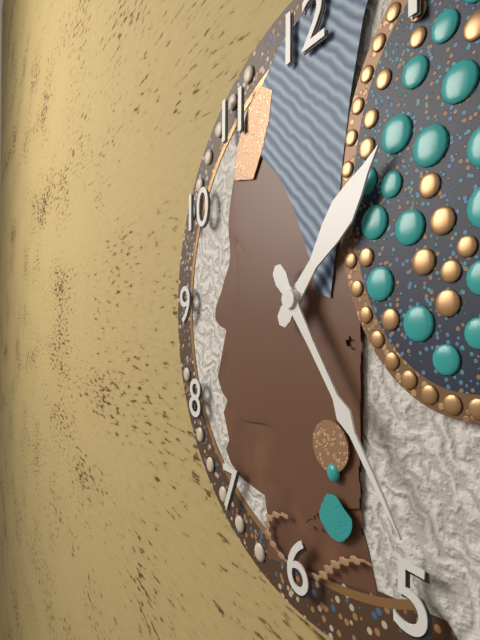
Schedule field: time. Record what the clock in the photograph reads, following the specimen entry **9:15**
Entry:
**1:24**
